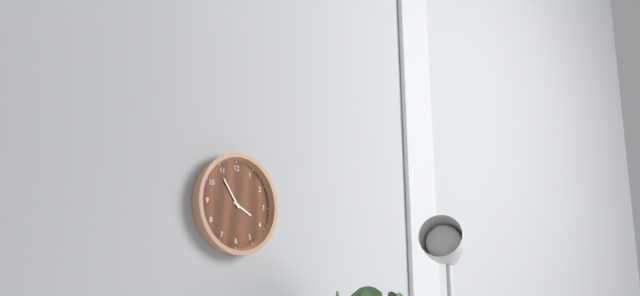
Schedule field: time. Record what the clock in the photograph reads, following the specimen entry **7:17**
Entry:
**3:54**
